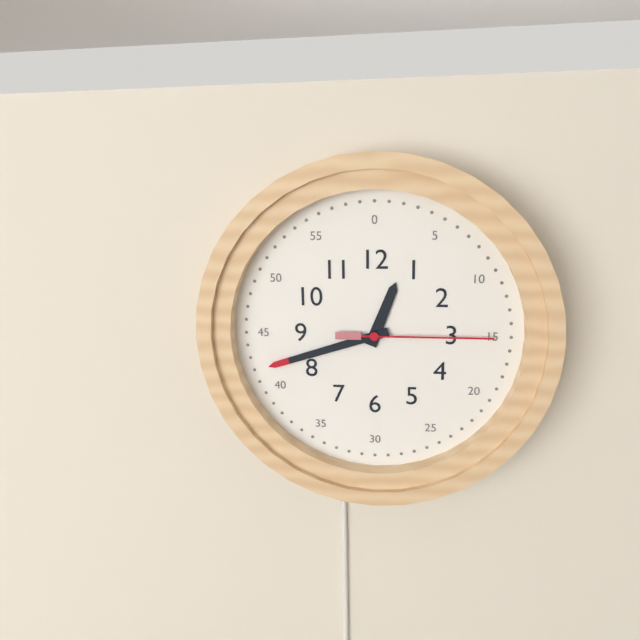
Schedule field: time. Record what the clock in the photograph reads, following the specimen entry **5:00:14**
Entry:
**12:42:15**
